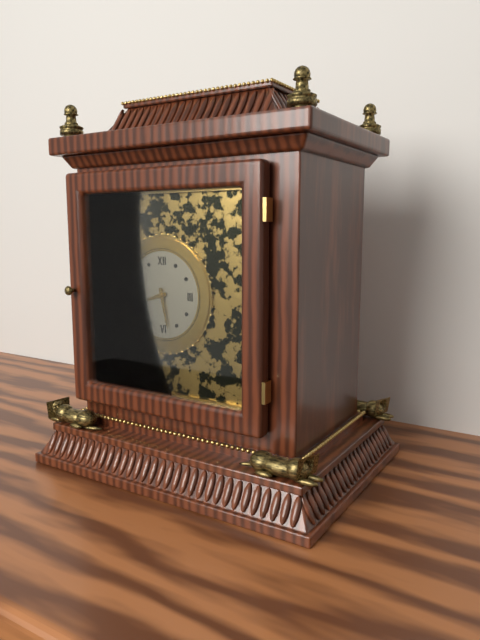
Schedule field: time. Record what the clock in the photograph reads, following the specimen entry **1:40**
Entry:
**8:28**
